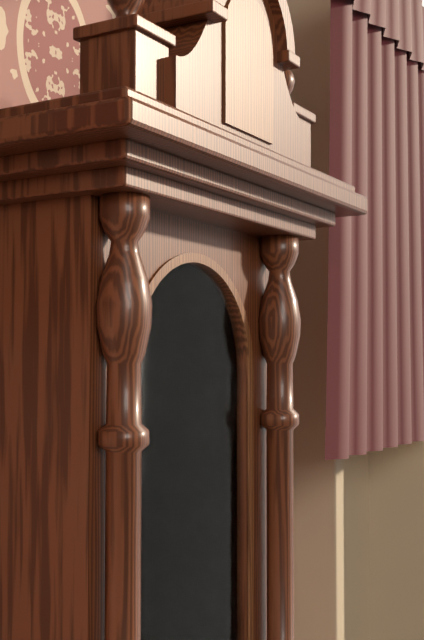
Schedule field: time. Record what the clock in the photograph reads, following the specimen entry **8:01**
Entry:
**8:03**
